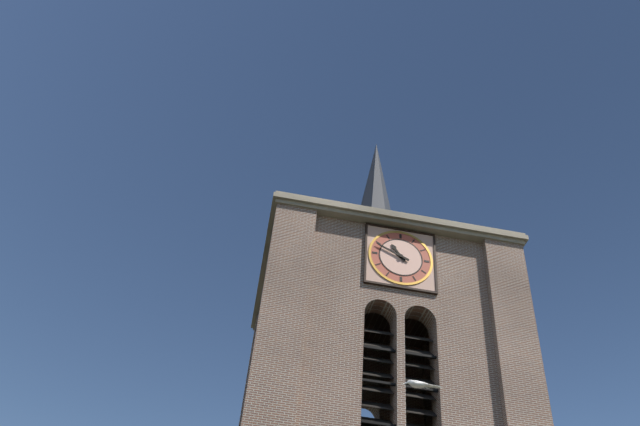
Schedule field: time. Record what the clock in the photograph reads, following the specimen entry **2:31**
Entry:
**10:49**
